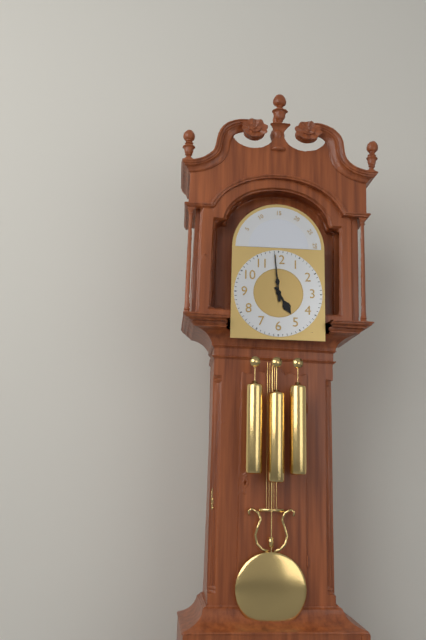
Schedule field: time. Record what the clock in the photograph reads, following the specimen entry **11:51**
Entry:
**4:59**
